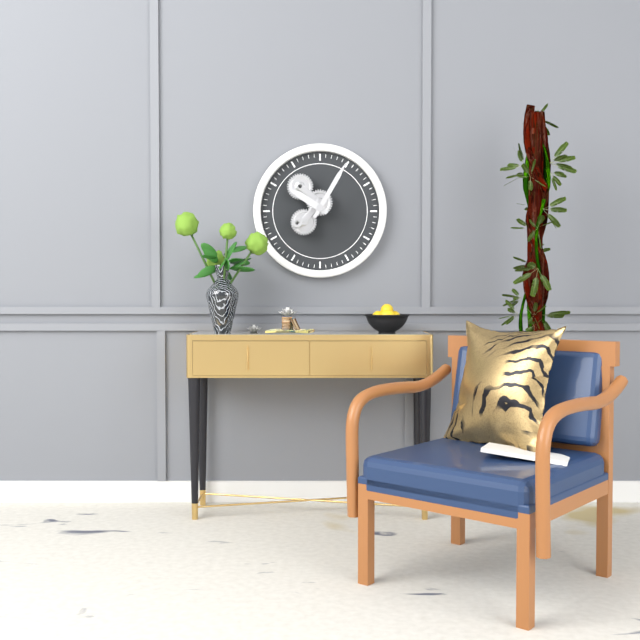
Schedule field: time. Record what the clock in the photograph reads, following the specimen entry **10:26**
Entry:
**10:05**
